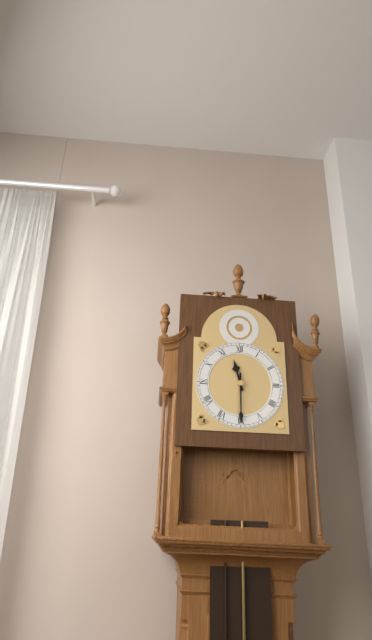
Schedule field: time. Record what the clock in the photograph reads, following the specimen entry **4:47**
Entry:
**11:30**
